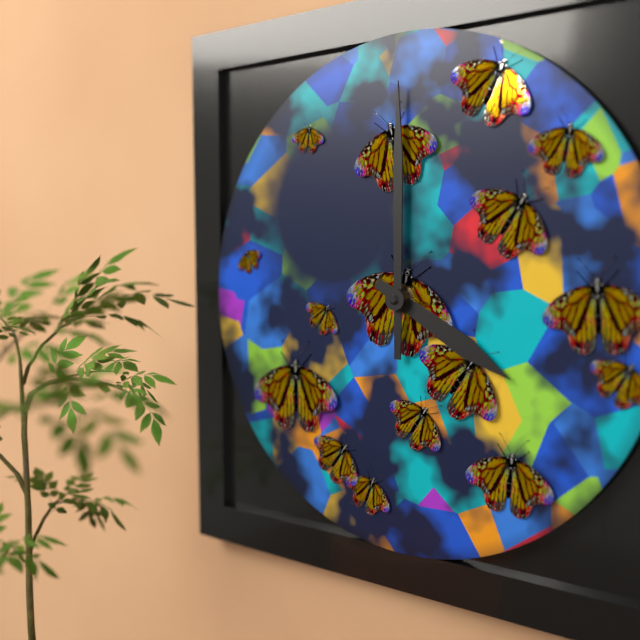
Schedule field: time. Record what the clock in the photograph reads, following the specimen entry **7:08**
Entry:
**4:00**
